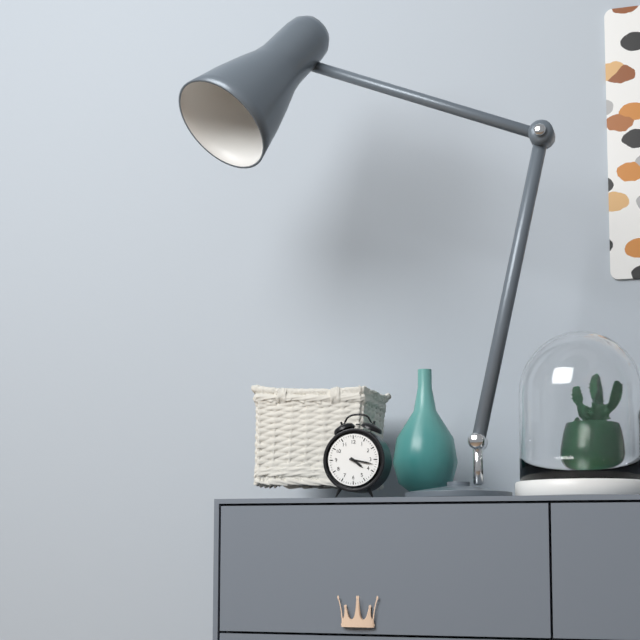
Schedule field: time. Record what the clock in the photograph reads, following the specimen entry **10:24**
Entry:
**4:17**
